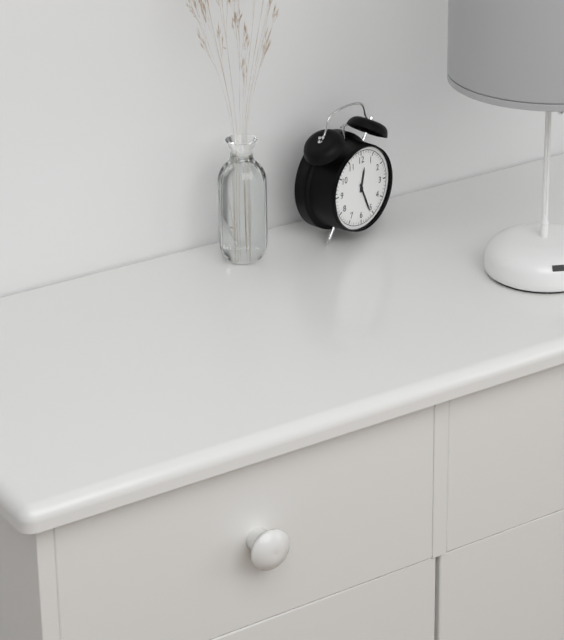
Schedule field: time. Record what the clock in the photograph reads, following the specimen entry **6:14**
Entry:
**12:26**
